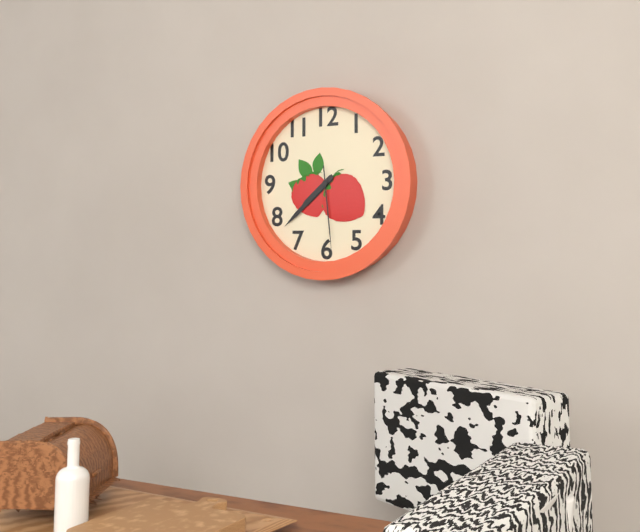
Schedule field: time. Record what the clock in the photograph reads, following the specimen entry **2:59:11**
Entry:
**7:38:29**
